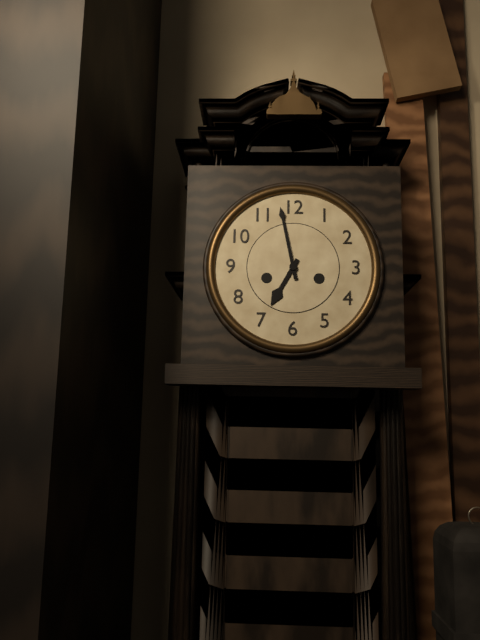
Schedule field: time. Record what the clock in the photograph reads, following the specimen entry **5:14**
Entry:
**6:58**
